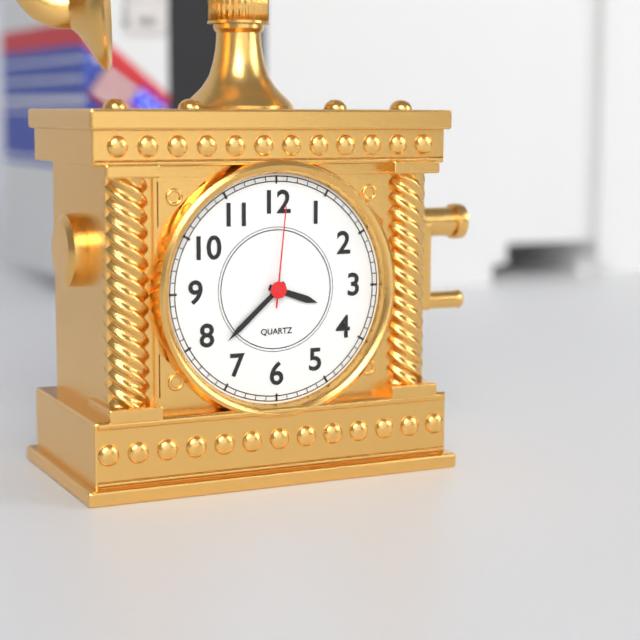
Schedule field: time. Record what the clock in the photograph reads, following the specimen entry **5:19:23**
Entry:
**3:38:01**
